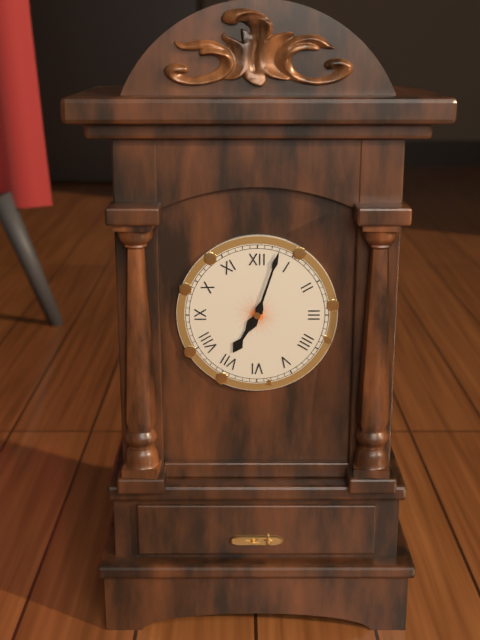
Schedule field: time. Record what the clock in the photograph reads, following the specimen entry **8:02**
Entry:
**7:03**
